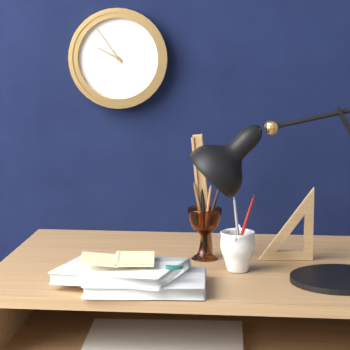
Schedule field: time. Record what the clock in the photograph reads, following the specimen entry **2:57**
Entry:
**9:54**
